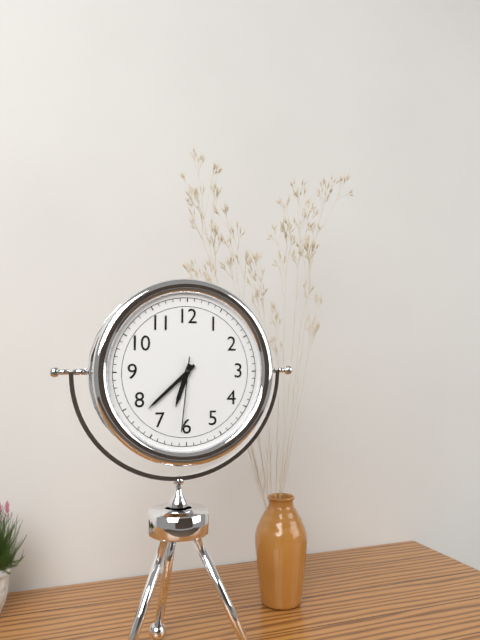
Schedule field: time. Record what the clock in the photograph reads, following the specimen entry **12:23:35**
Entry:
**6:38:31**
